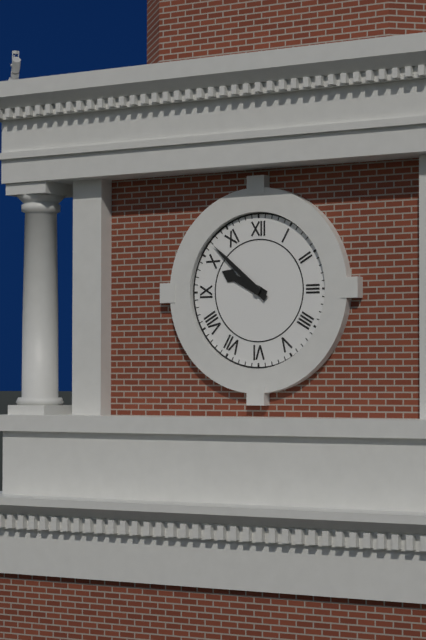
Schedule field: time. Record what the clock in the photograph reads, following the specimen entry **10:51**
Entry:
**9:52**
